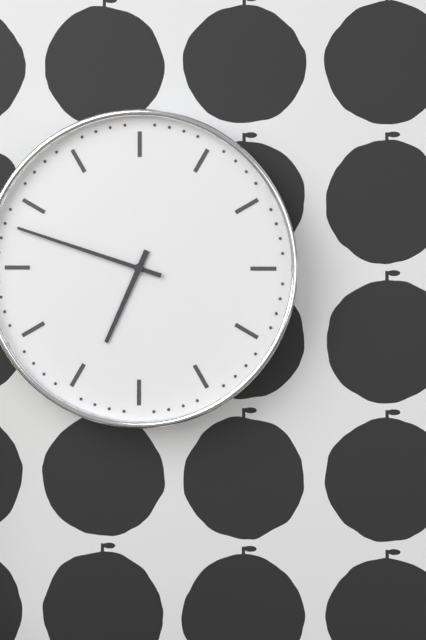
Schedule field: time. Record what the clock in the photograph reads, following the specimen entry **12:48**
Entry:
**6:48**
